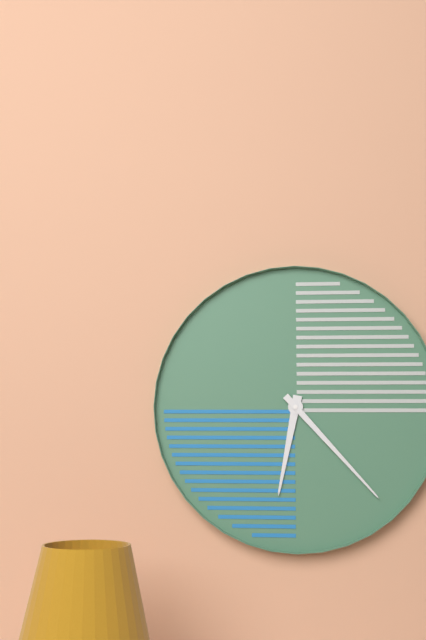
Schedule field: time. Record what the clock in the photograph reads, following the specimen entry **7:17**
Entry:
**6:23**
